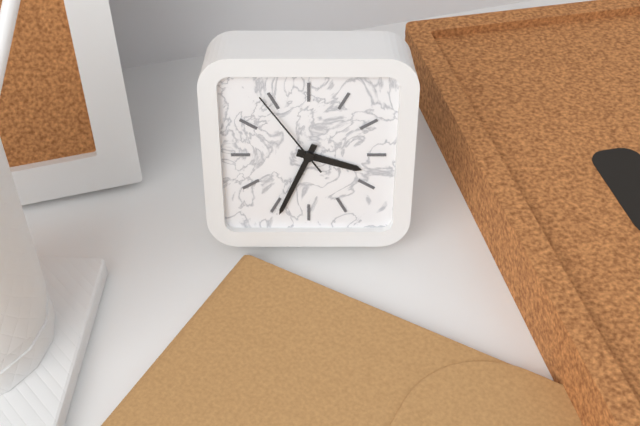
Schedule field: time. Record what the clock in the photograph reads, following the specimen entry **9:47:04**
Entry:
**3:34:54**
